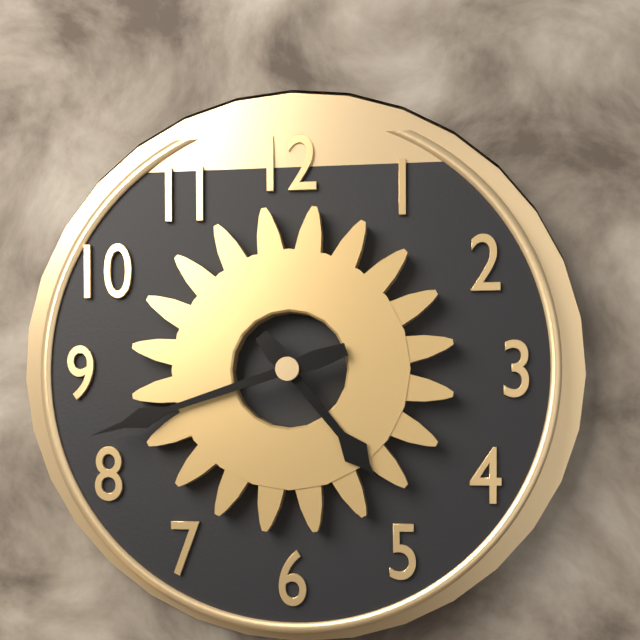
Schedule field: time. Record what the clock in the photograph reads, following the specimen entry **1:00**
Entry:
**4:42**
